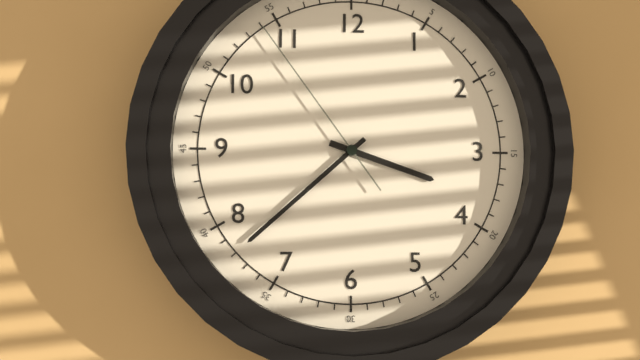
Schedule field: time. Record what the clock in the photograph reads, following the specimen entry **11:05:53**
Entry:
**3:38:54**
